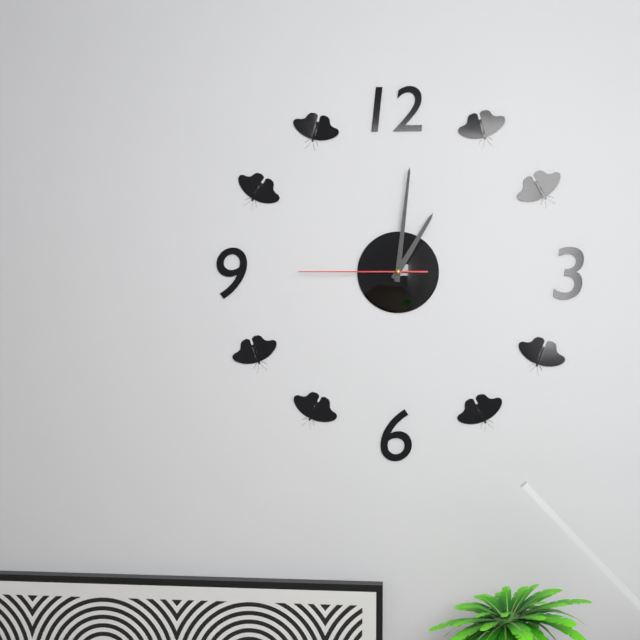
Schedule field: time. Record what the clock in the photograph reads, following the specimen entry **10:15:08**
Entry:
**1:01:45**
